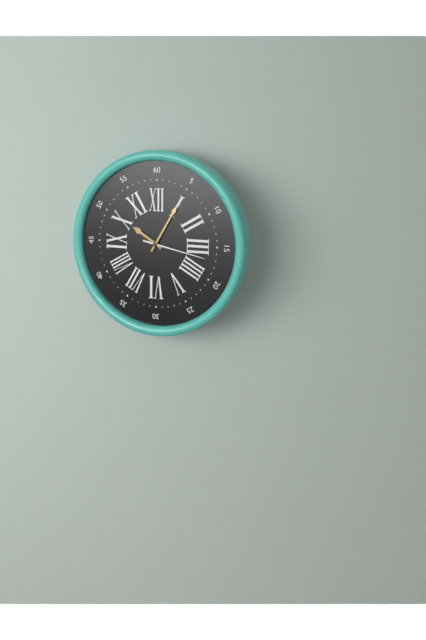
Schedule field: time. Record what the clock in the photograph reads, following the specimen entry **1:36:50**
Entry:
**10:05:17**
